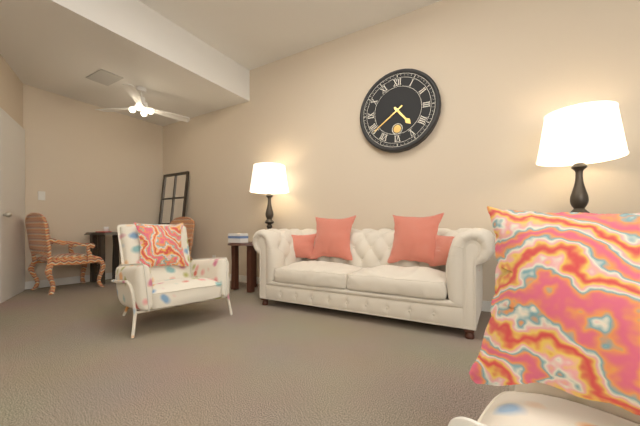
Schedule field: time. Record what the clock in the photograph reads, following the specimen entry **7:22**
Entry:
**4:39**
